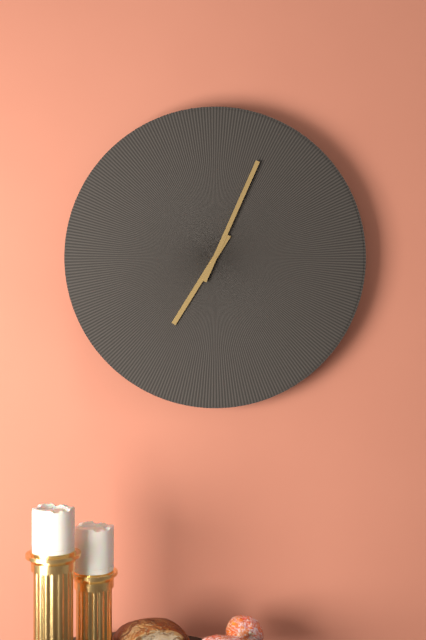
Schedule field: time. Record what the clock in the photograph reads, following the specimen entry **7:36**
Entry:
**7:04**
